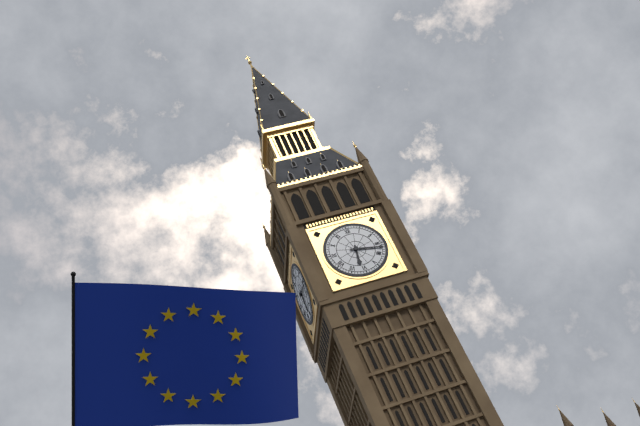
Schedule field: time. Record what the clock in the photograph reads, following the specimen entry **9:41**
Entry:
**6:17**
